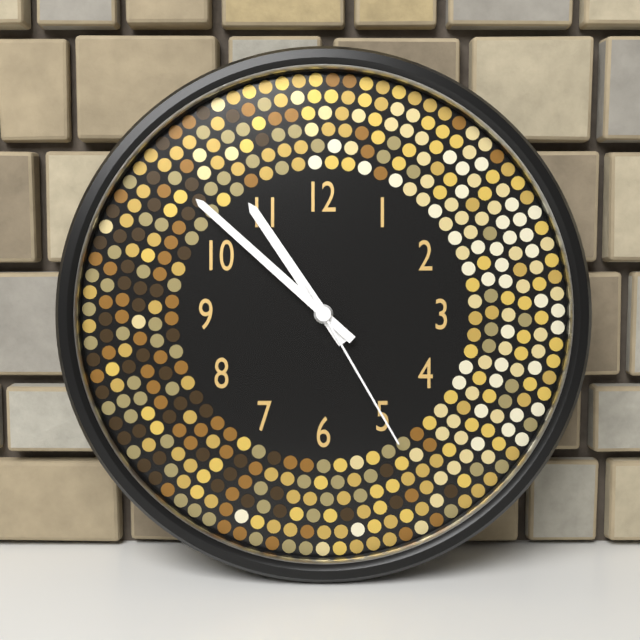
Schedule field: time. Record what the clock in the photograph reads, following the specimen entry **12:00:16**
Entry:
**10:52:25**
